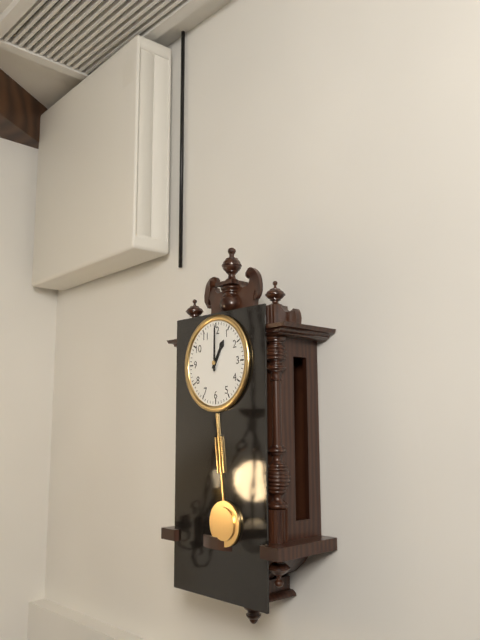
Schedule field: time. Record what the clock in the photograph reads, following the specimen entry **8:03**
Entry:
**1:00**
